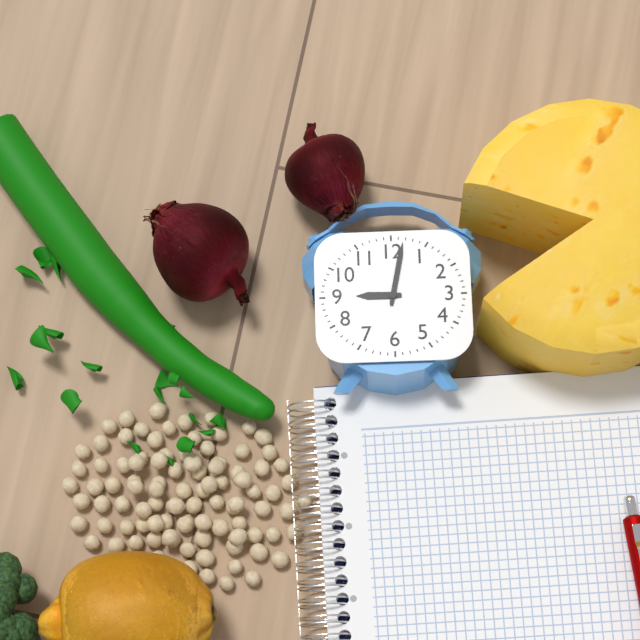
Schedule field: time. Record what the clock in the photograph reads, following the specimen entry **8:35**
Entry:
**9:02**
